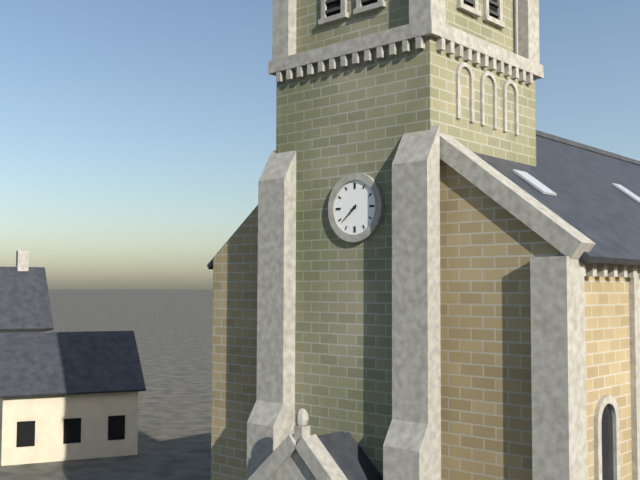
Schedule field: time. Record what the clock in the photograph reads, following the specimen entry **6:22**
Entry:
**7:38**
